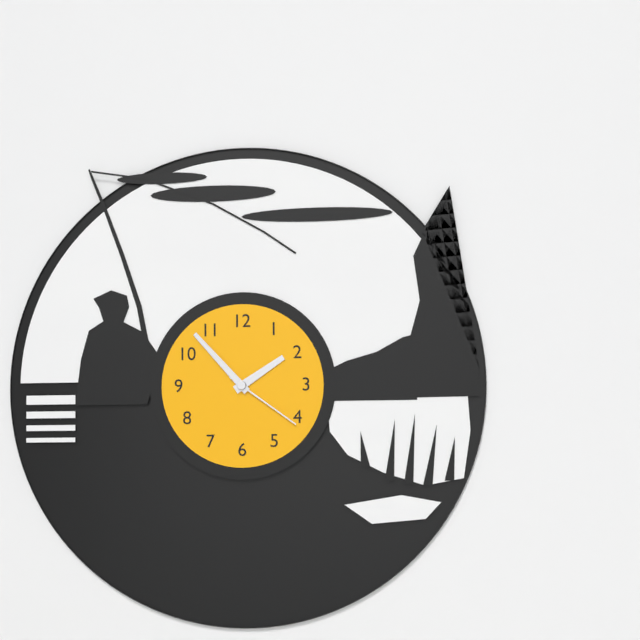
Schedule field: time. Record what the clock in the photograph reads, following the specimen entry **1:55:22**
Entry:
**1:53:21**
